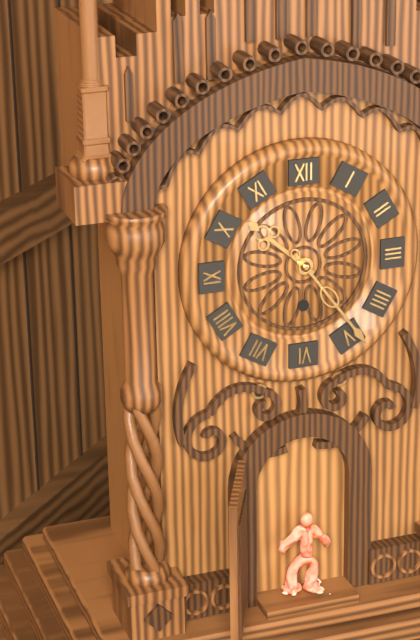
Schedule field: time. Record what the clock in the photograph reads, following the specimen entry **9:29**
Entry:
**10:24**
